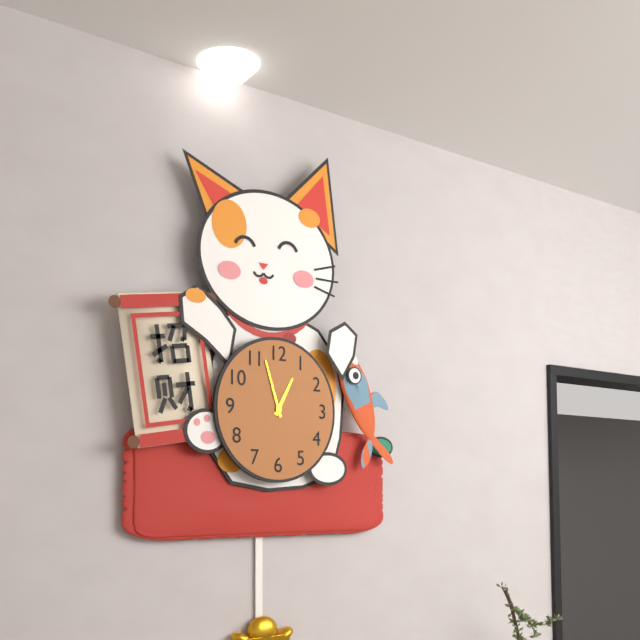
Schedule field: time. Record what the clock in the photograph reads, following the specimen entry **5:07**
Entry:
**12:57**
